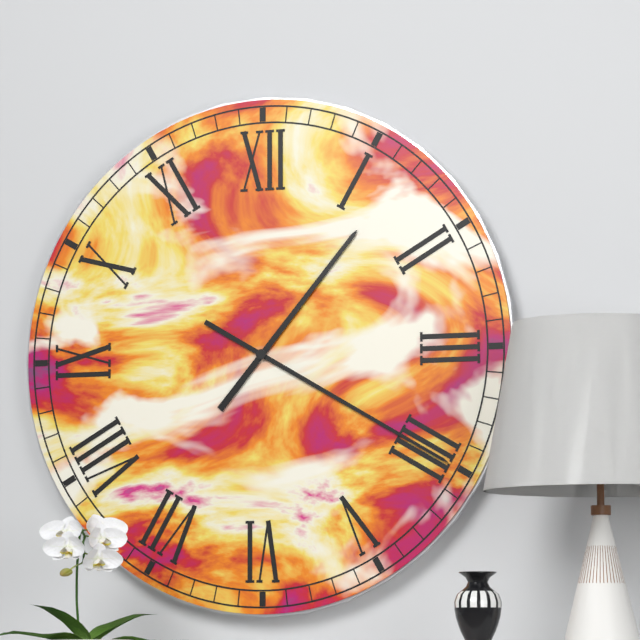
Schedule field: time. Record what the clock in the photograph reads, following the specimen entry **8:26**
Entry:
**1:20**
